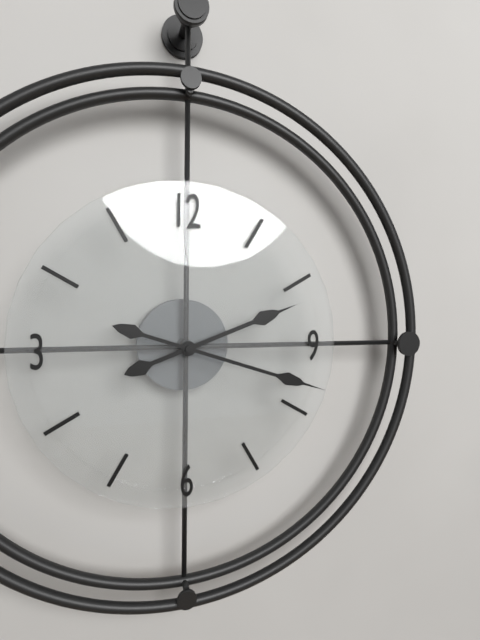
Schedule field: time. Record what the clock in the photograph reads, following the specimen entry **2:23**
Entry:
**2:18**
